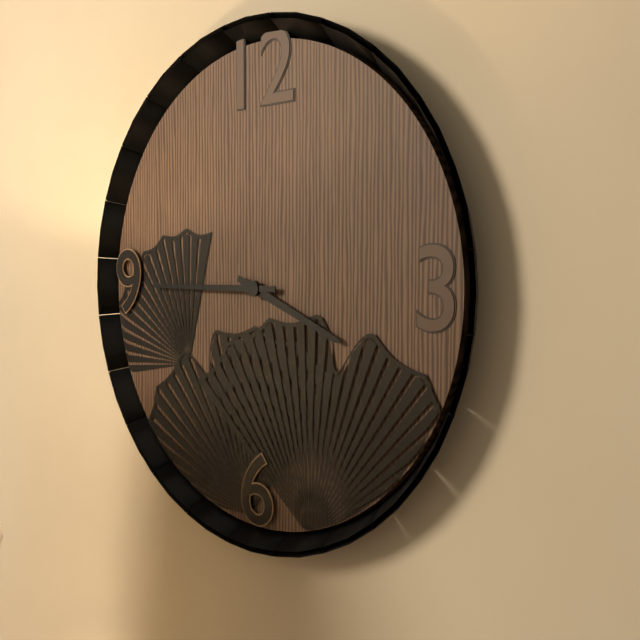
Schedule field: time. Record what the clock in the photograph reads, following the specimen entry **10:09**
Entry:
**3:45**
